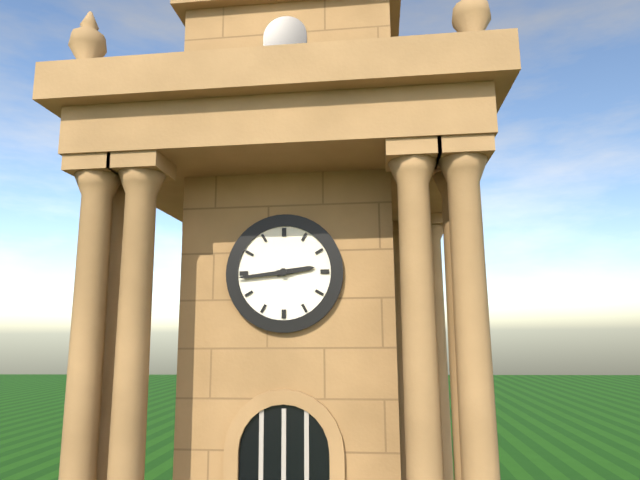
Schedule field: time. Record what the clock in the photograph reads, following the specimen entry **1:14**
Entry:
**2:44**
